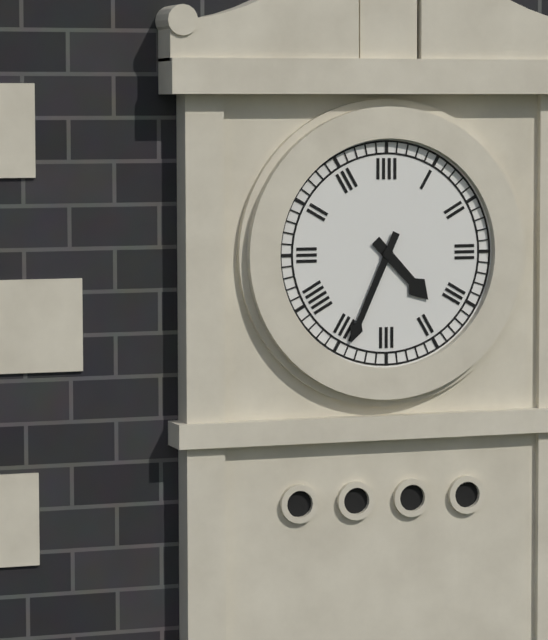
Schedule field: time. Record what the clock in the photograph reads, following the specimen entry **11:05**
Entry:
**4:34**
